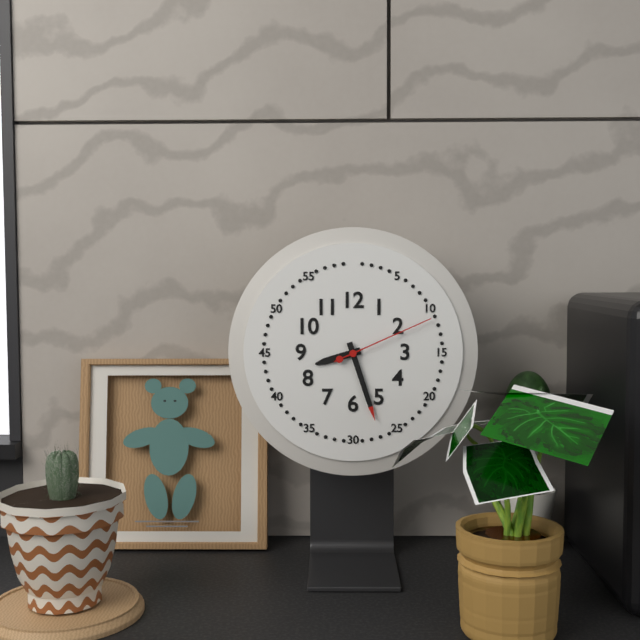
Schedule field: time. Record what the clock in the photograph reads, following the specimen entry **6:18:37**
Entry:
**8:27:11**
